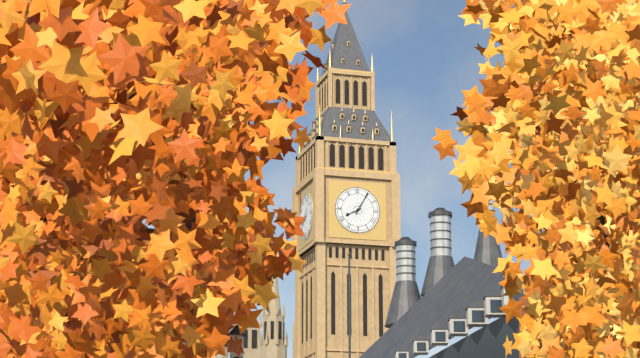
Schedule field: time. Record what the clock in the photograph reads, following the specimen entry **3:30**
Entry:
**8:05**
